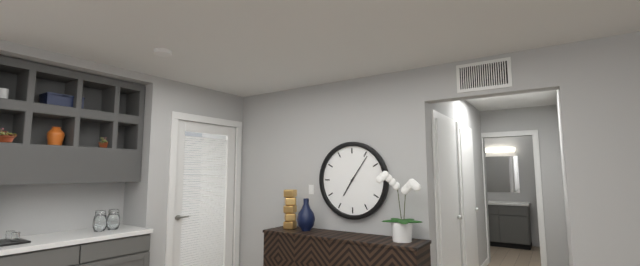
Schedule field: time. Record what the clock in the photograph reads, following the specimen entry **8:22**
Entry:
**7:06**
